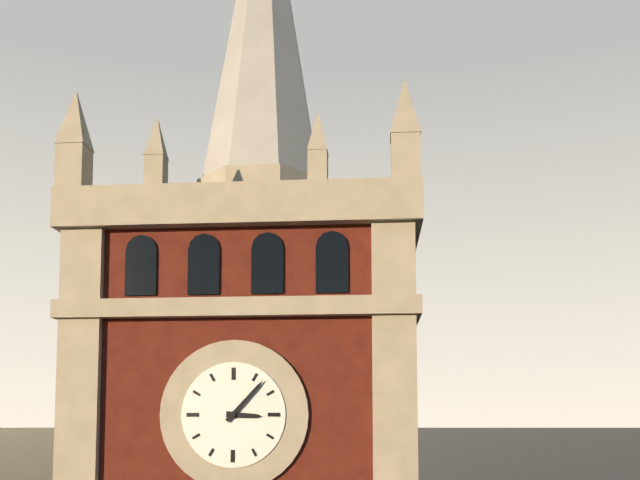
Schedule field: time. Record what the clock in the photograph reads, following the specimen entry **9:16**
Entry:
**3:07**
